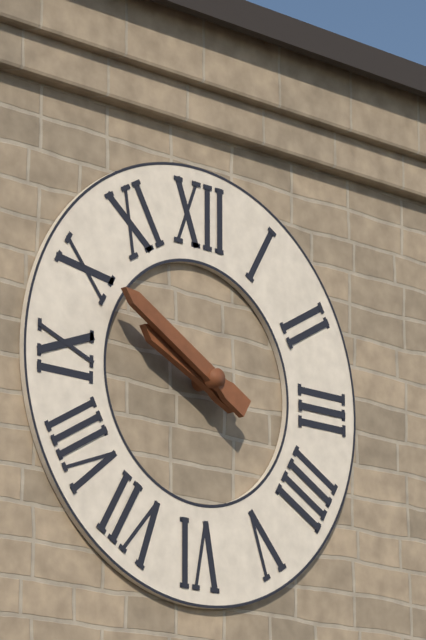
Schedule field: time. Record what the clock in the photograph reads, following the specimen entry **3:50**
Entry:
**9:50**
